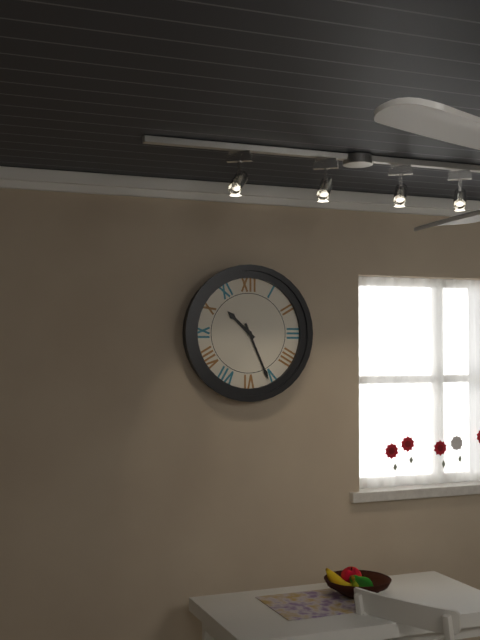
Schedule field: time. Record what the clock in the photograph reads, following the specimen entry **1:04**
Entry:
**10:26**
